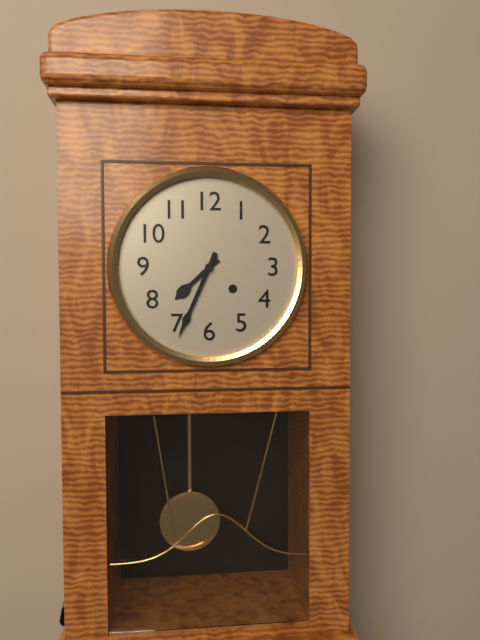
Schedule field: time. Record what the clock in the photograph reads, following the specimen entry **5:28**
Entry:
**7:34**
